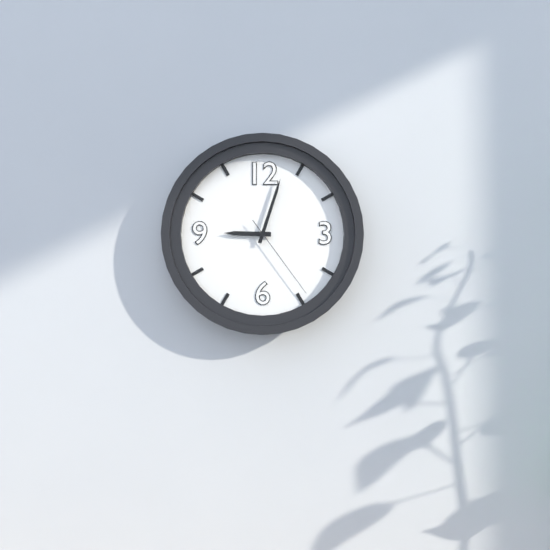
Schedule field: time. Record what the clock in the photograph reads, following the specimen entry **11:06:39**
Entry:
**9:03:24**
